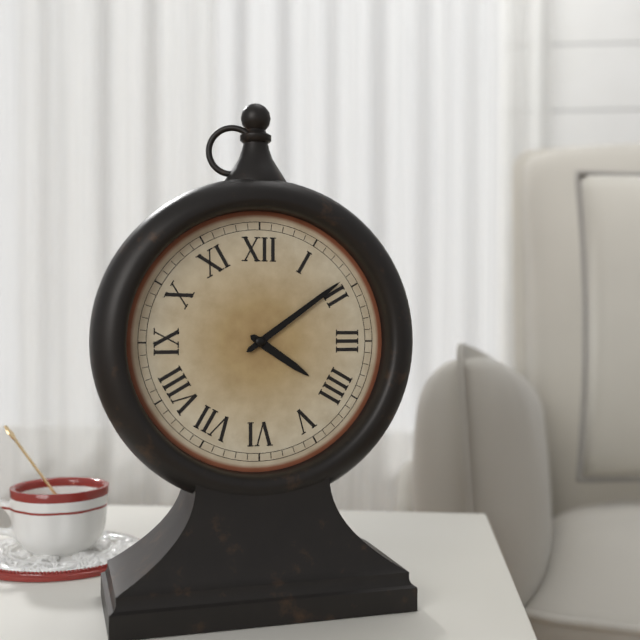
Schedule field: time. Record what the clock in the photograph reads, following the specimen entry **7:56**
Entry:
**4:09**
